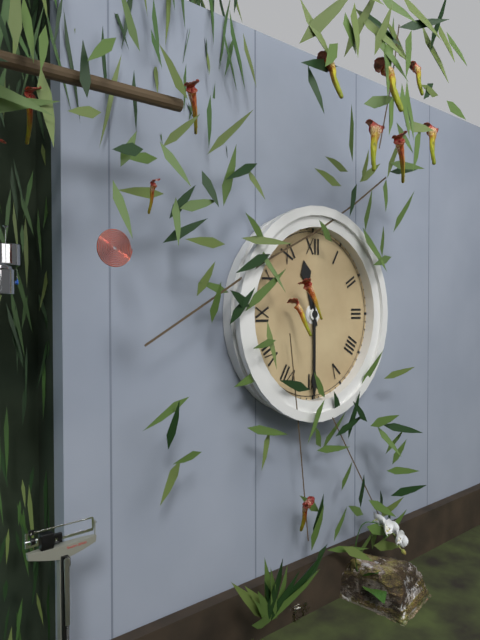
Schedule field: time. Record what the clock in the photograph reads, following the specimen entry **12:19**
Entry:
**11:30**
